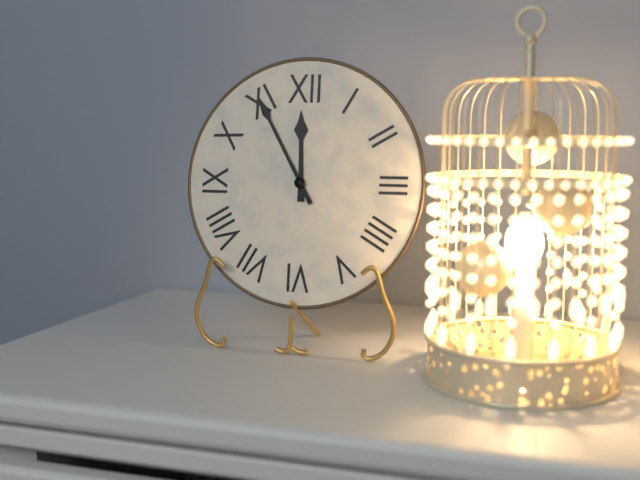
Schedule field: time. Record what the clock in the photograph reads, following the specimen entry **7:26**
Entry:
**11:55**
